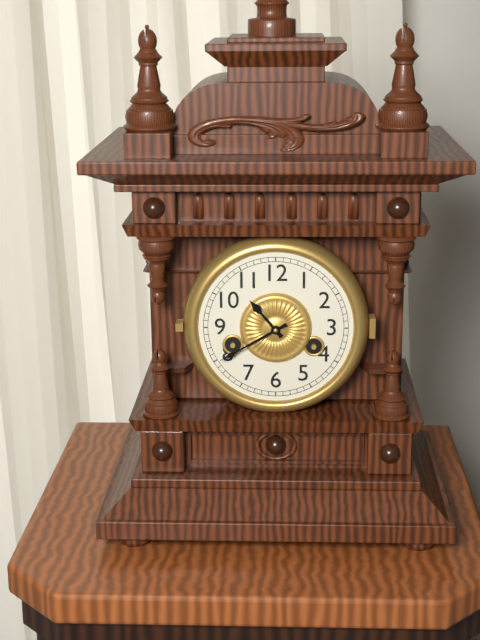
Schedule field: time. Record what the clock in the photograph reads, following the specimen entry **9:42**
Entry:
**10:40**
